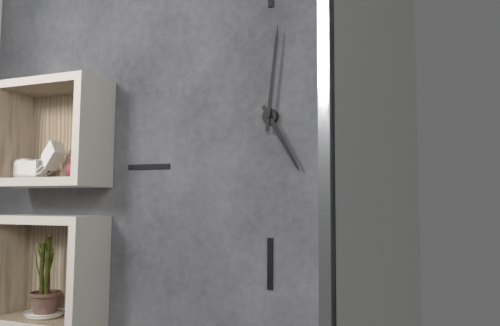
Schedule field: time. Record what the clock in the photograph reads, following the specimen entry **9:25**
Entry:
**5:01**
